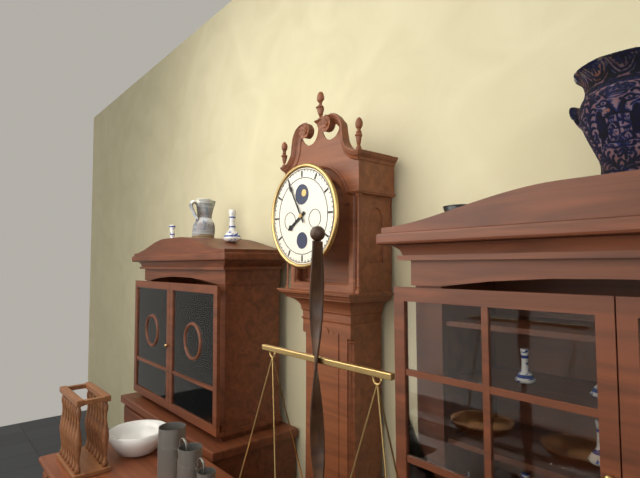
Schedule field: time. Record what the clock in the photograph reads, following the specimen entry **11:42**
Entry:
**7:55**
